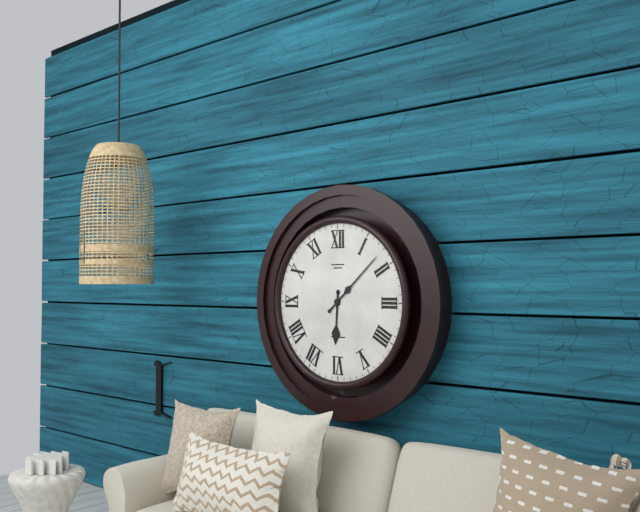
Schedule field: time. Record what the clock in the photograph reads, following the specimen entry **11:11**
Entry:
**6:08**
